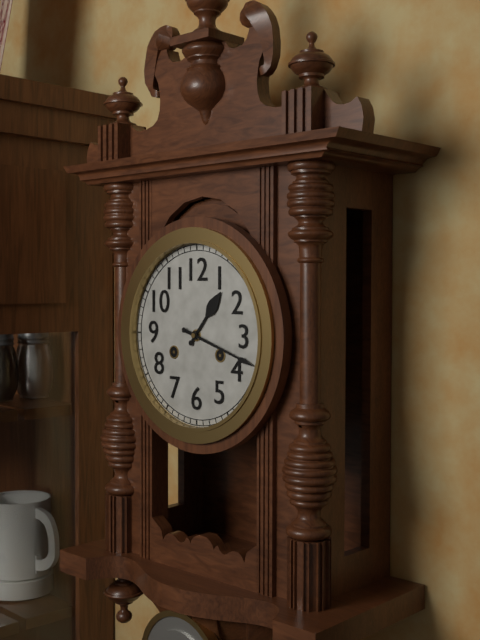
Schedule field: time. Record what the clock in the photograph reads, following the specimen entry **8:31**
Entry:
**1:18**
